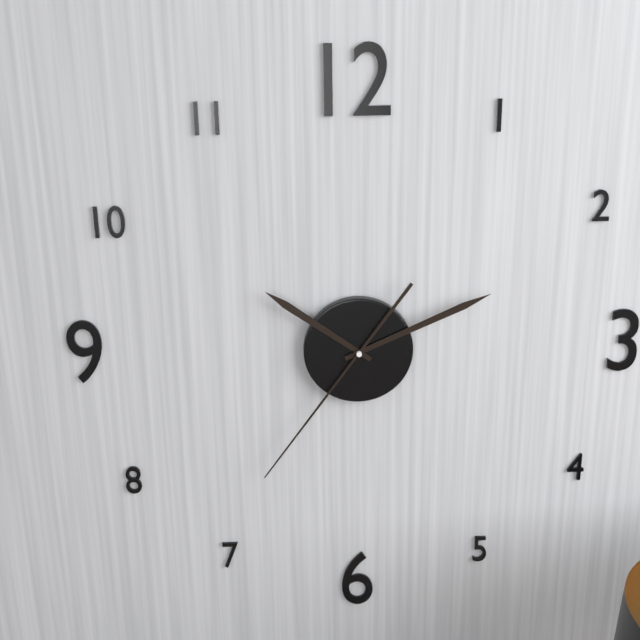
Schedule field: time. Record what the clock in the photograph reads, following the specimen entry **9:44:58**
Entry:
**10:11:36**
